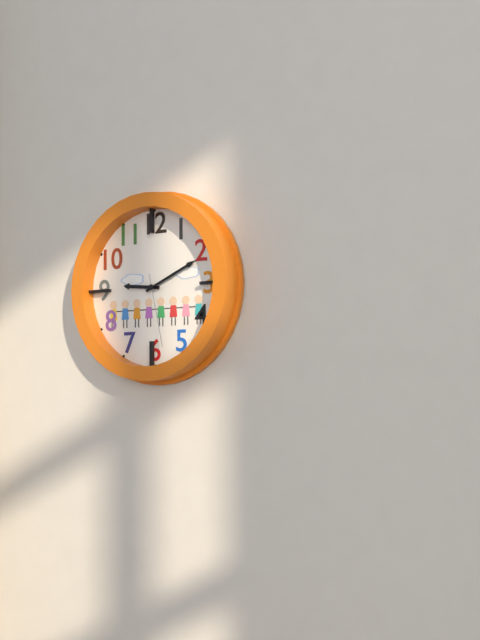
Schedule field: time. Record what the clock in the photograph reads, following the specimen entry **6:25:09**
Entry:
**9:11:28**
